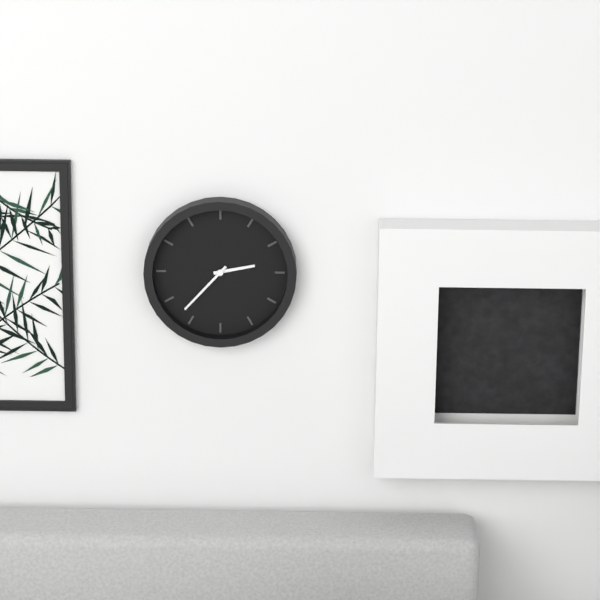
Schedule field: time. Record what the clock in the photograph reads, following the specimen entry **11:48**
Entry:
**2:37**
